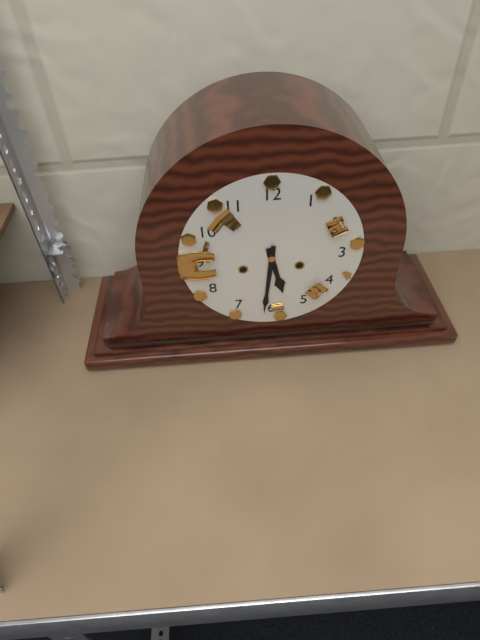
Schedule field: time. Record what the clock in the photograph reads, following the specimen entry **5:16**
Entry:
**5:31**
